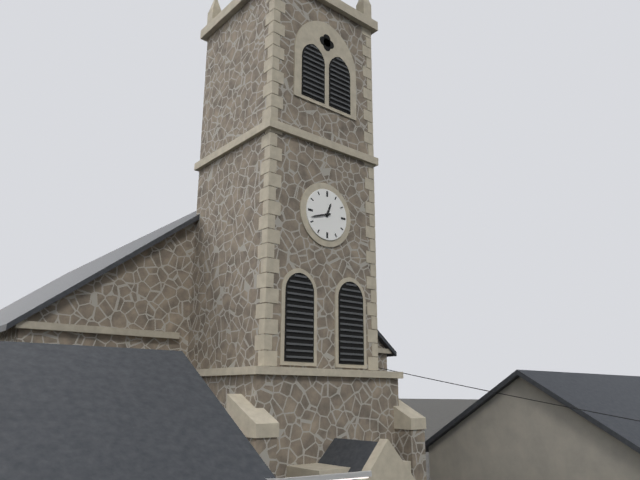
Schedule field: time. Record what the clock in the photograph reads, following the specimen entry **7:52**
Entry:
**12:42**
